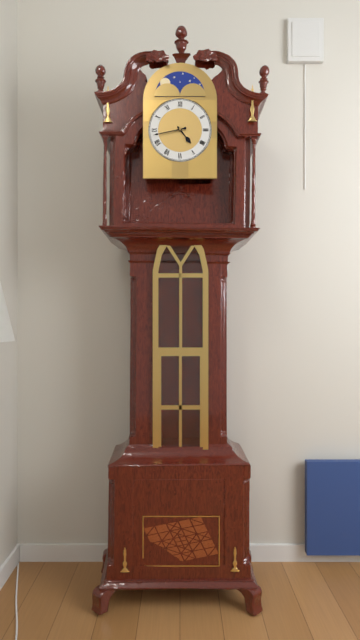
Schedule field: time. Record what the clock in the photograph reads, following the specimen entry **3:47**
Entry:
**4:43**
